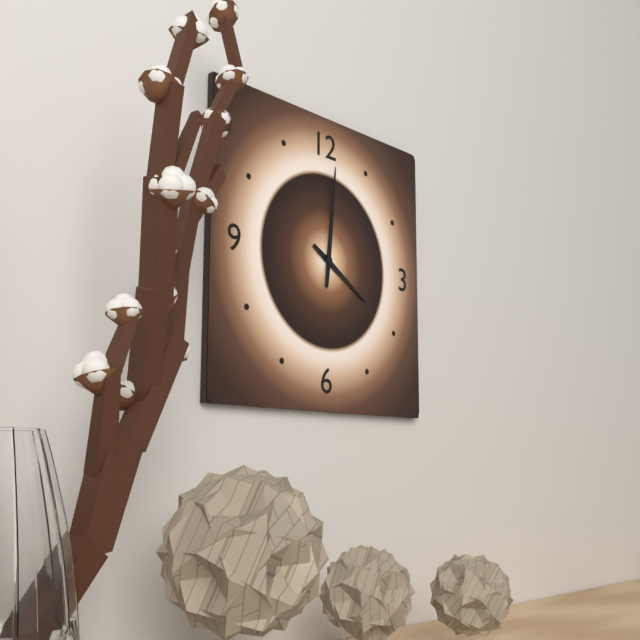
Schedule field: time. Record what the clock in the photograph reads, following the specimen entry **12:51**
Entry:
**4:01**
